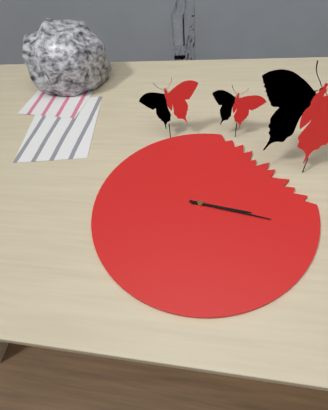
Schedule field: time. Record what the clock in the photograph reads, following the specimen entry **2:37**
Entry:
**3:17**
